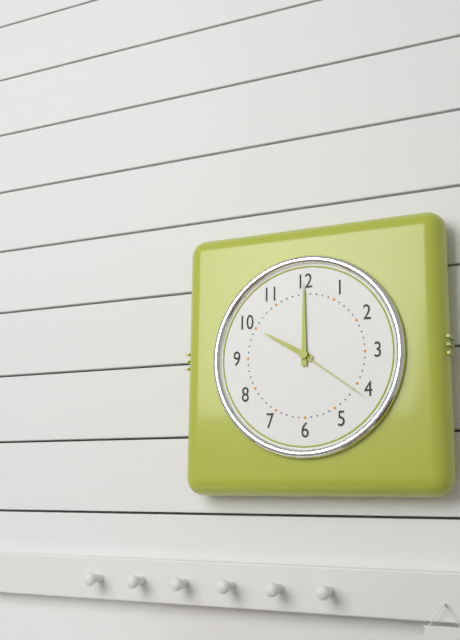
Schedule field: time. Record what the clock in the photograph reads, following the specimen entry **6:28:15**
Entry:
**10:00:21**
